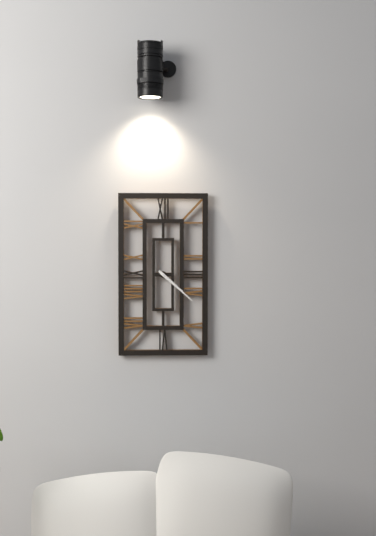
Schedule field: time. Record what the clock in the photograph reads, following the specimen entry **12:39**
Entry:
**4:22**
